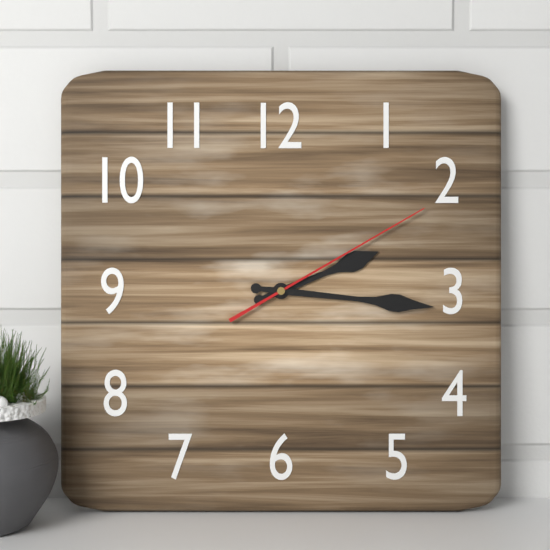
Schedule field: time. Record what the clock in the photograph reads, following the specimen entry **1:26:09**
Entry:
**2:16:10**
